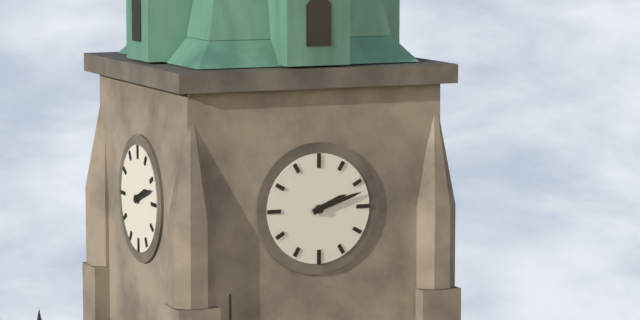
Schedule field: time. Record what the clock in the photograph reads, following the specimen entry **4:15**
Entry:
**2:12**
